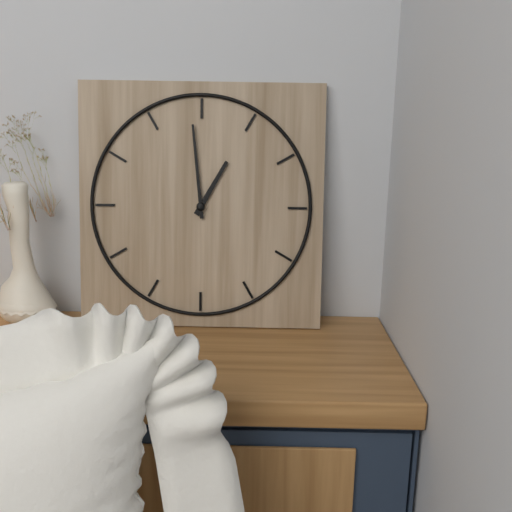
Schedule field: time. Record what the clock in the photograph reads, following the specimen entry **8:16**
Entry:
**12:59**
